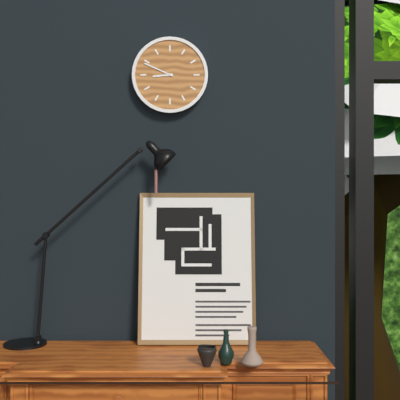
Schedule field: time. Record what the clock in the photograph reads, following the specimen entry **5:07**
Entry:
**8:49**
